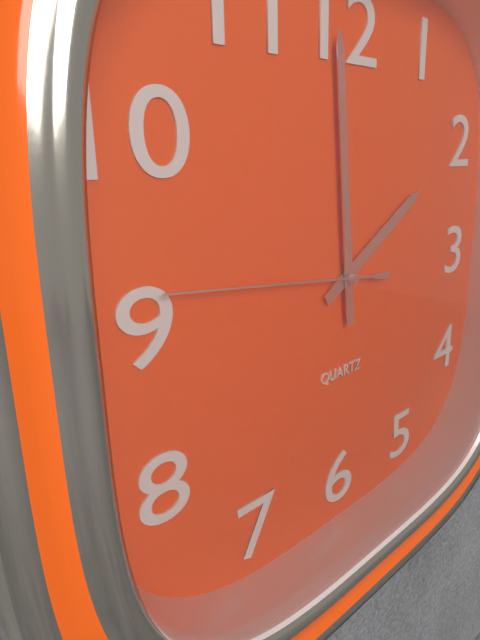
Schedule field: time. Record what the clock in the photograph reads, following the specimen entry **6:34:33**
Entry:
**1:59:46**
